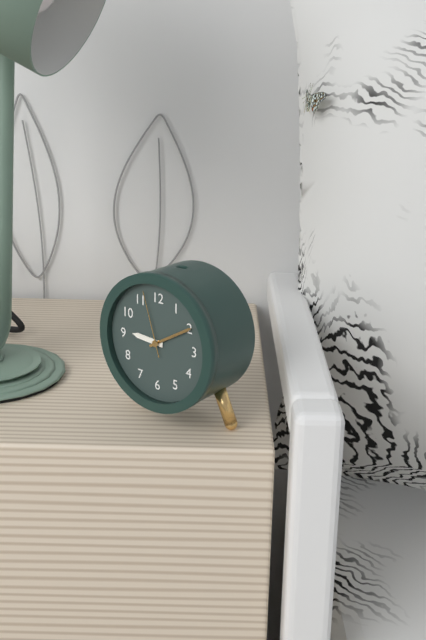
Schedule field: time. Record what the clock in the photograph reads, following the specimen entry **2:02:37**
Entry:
**9:10:57**
